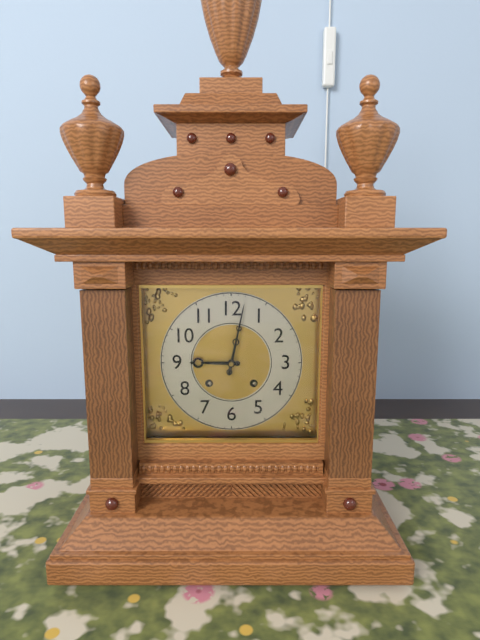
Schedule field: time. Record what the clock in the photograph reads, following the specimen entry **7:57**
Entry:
**9:02**
